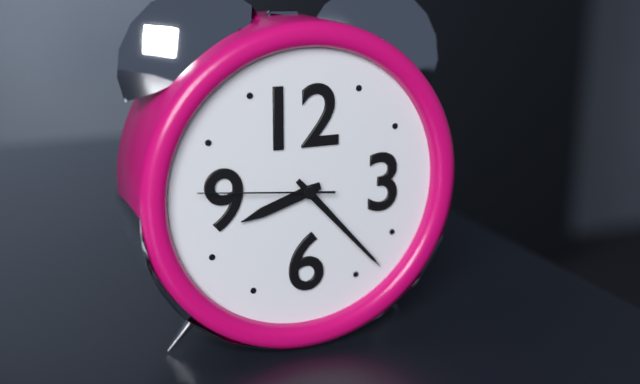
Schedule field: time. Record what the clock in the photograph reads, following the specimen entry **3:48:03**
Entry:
**8:23:46**
